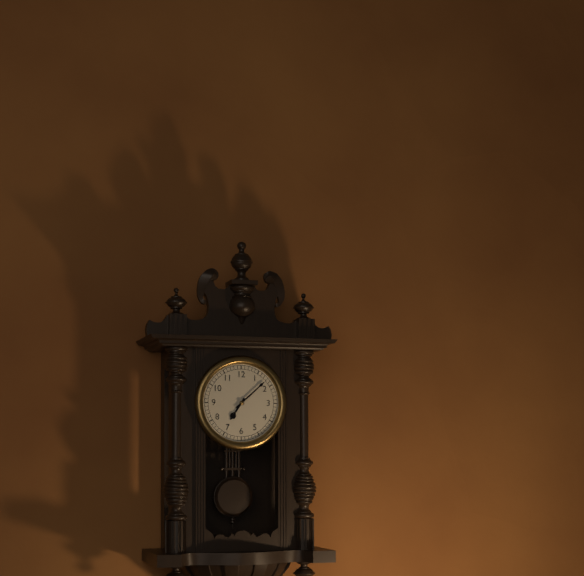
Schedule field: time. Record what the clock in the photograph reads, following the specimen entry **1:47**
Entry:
**7:08**
